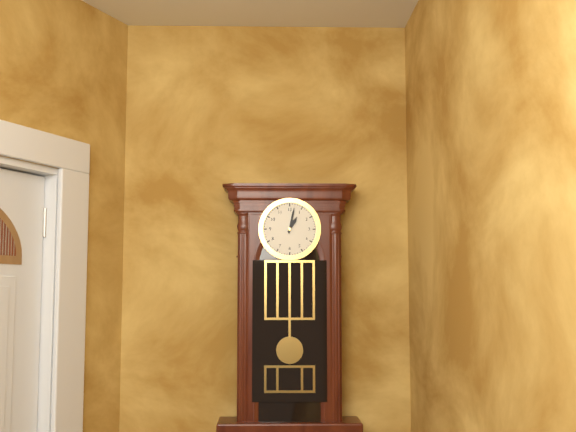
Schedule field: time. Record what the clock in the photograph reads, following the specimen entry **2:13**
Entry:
**1:02**
